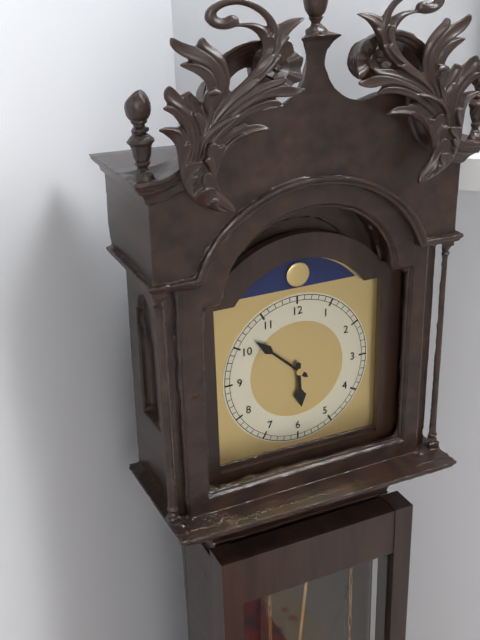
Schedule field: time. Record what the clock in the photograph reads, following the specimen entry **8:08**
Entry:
**5:52**
